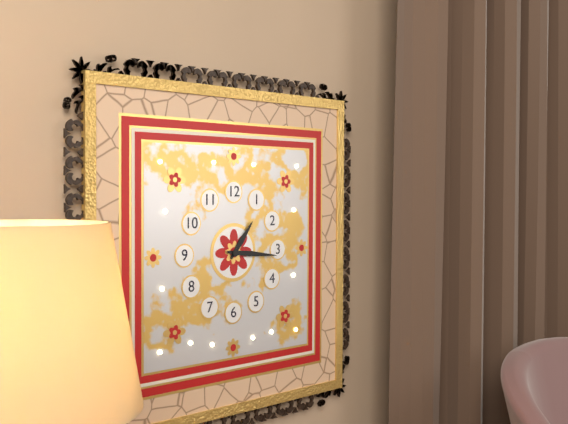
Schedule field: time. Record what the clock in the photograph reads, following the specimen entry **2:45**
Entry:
**1:16**
